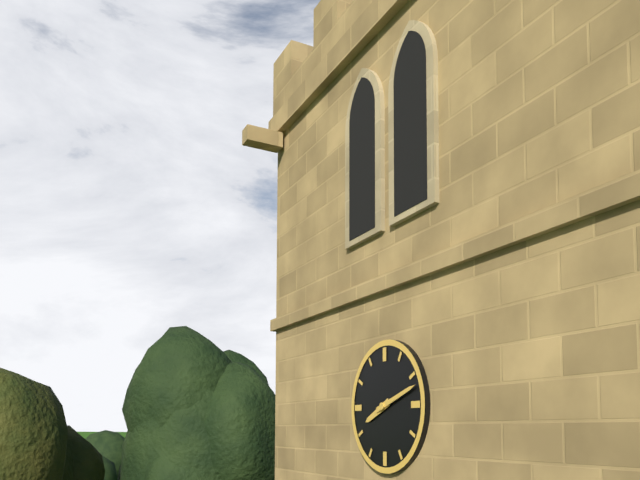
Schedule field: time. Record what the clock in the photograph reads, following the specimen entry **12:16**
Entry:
**8:12**
